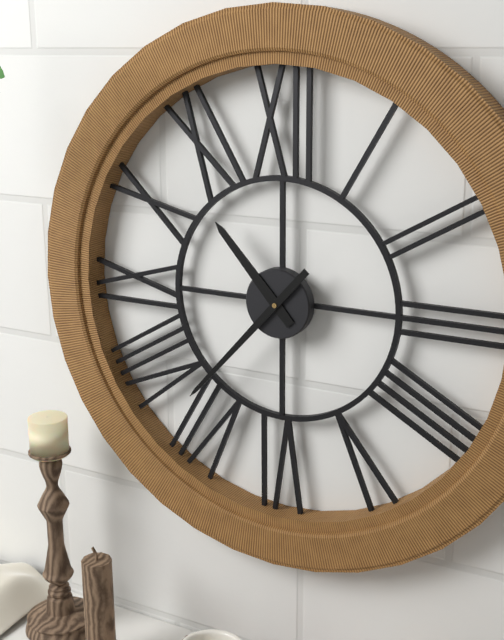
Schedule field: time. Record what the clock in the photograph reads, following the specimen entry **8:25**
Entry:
**10:37**
